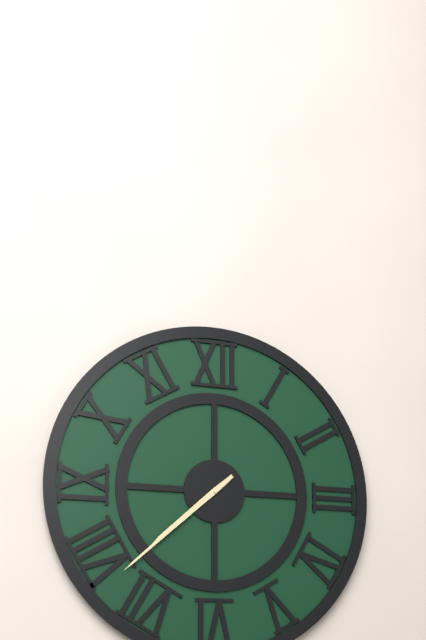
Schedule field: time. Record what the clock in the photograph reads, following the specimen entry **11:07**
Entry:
**7:38**
